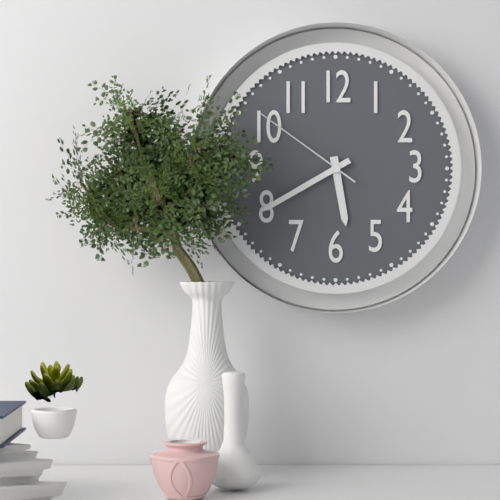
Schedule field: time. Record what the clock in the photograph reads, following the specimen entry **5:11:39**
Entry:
**5:40:51**
